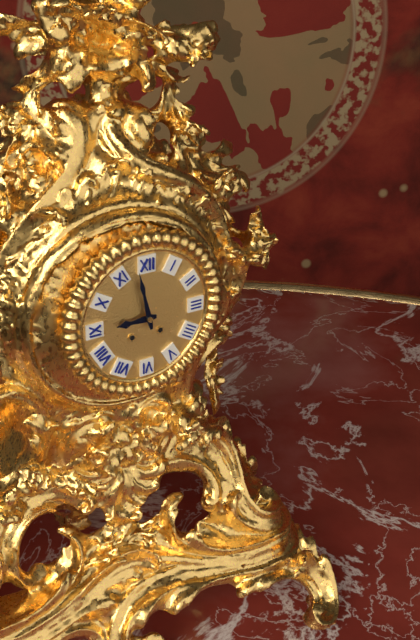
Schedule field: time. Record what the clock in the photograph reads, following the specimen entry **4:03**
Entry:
**8:58**
